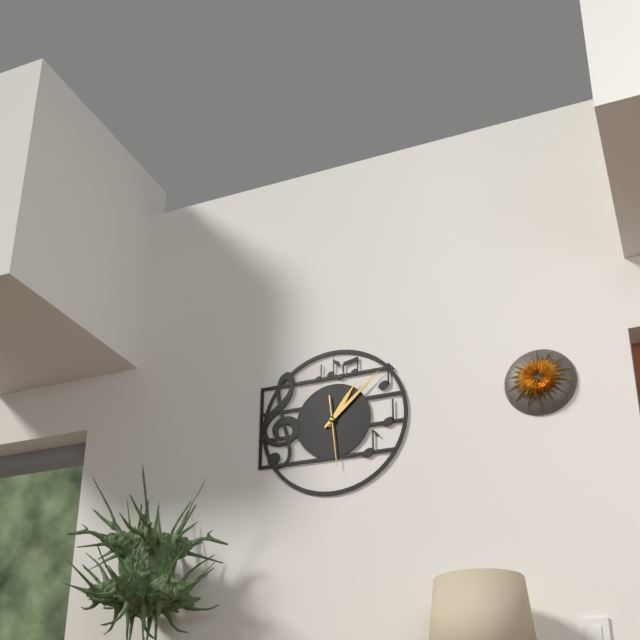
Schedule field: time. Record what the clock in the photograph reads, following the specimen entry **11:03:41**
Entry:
**1:08:29**
